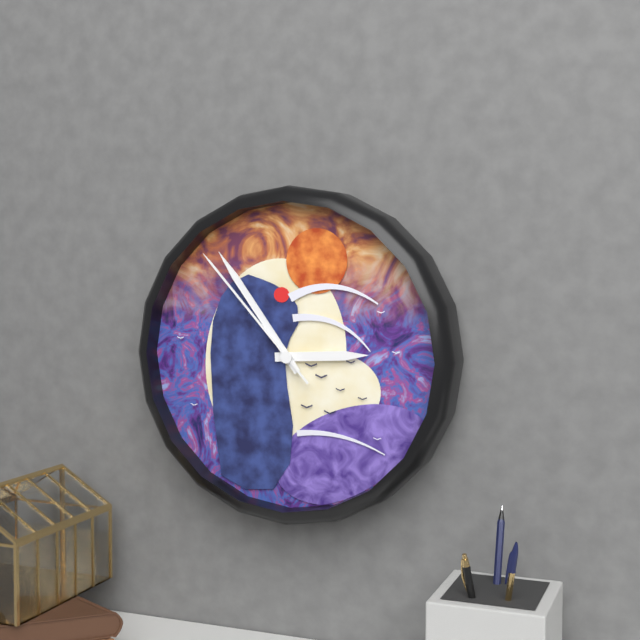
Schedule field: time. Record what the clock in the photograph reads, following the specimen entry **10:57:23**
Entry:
**2:54:53**
